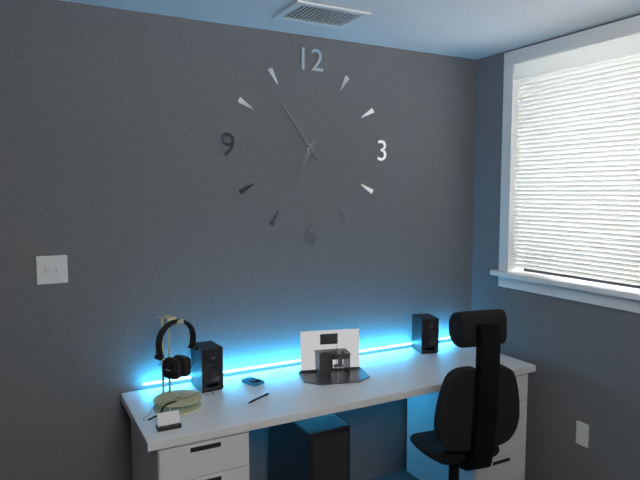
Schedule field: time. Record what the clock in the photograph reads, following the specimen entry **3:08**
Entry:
**6:54**
